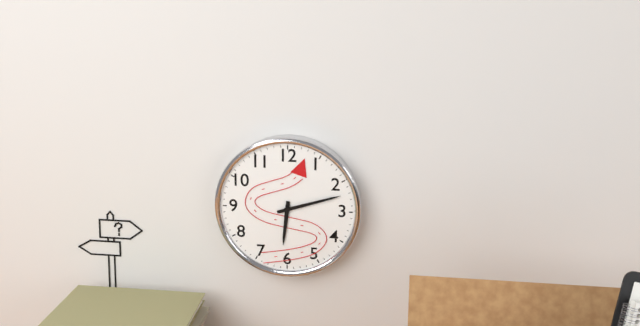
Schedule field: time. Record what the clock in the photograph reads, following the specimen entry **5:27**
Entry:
**6:12**
